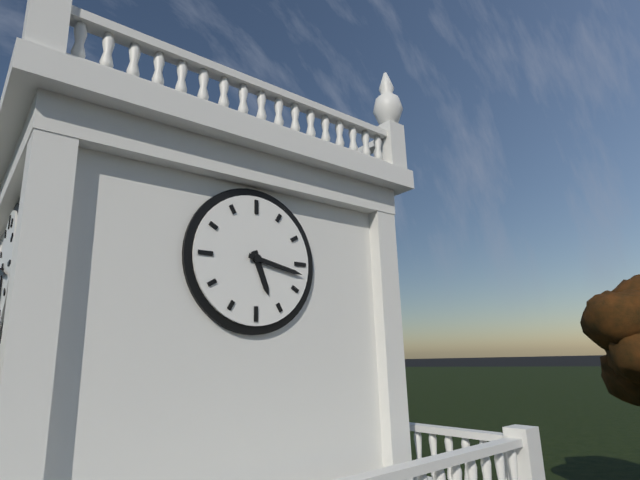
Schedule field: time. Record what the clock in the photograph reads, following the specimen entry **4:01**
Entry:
**5:17**
